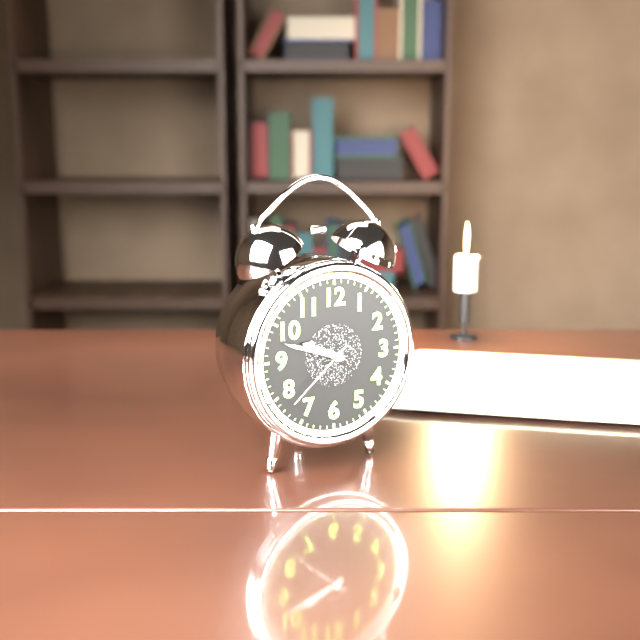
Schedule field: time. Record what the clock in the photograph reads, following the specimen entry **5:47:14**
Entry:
**9:48:38**
